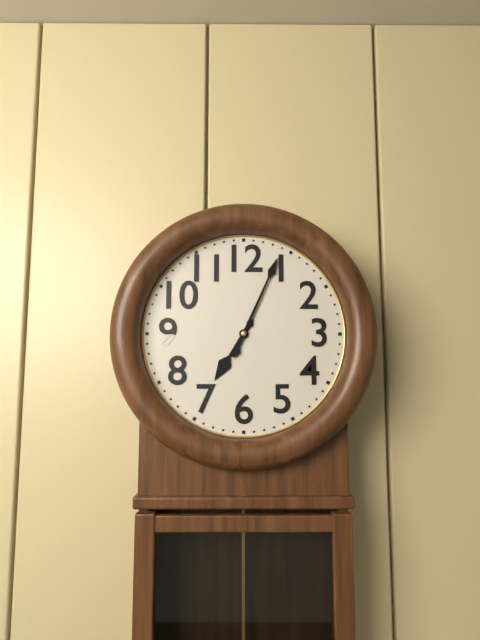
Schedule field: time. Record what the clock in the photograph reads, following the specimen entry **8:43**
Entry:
**7:04**
